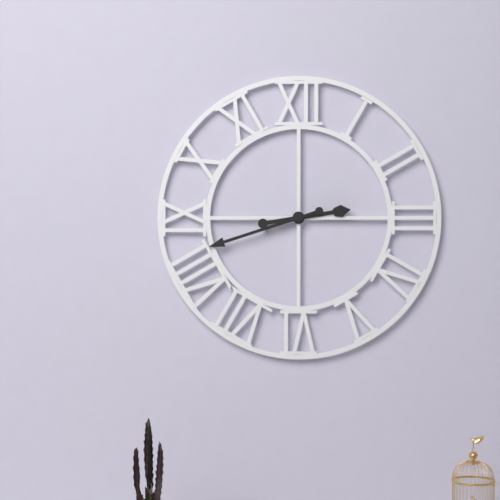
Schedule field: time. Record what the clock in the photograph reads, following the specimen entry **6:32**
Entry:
**2:42**
